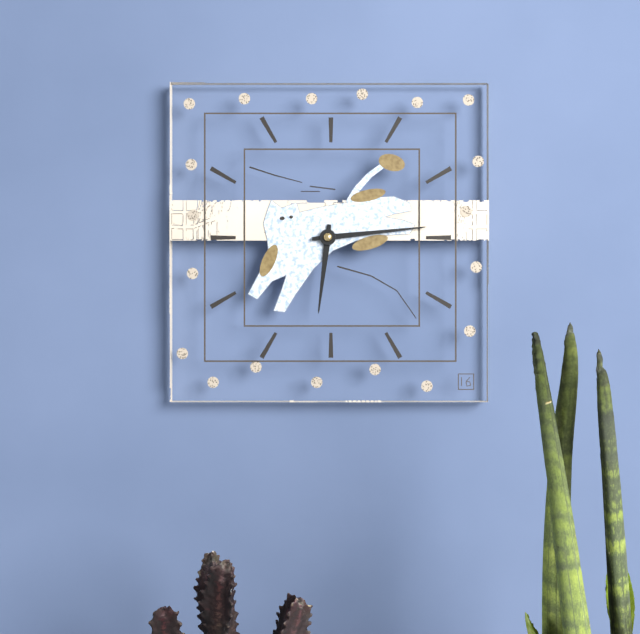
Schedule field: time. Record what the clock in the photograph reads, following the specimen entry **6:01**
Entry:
**6:14**
